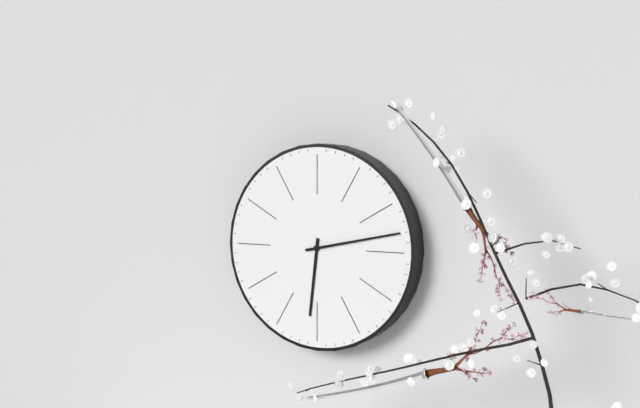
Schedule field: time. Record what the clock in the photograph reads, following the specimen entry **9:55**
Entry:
**6:13**
